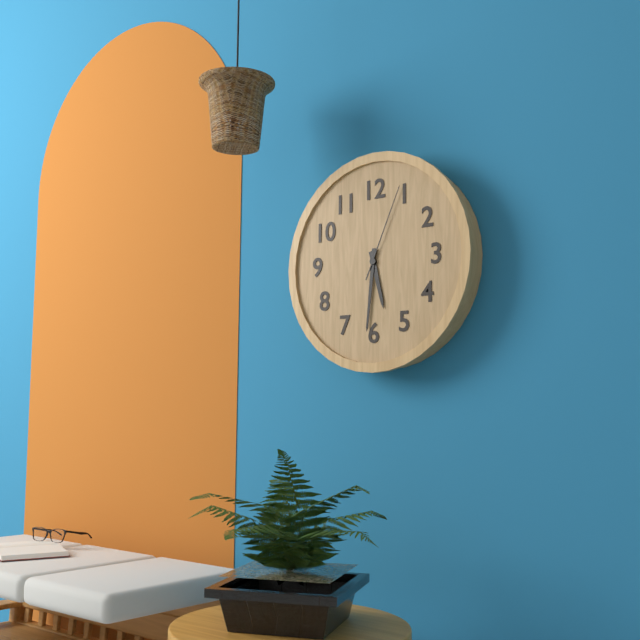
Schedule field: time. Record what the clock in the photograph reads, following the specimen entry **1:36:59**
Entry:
**5:31:04**
